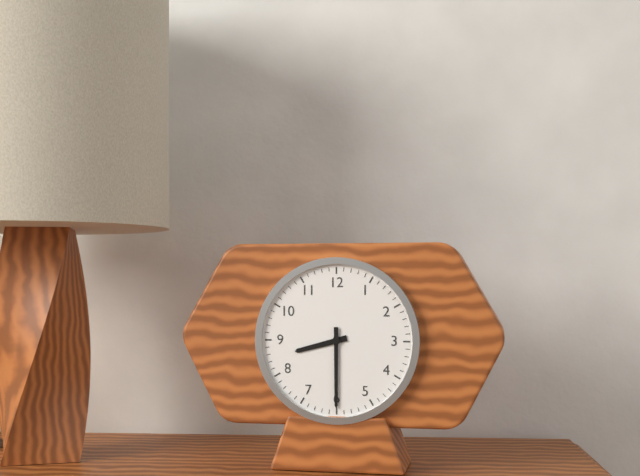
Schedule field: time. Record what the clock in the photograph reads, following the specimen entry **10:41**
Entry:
**8:30**
